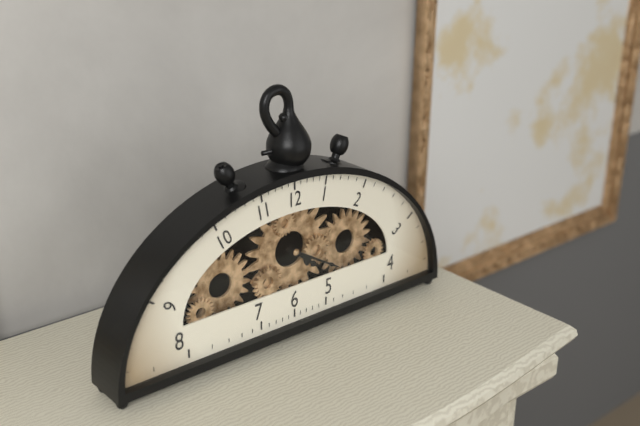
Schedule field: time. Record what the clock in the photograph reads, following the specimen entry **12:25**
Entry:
**4:20**
